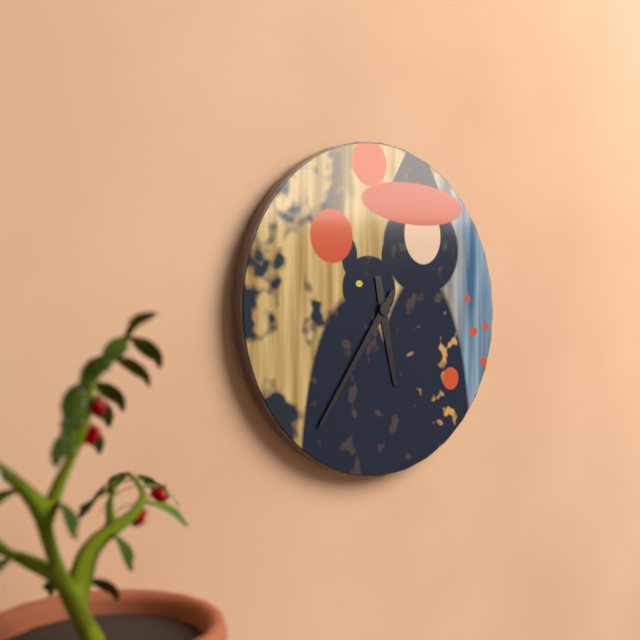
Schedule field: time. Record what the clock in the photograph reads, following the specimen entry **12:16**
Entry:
**5:36**
